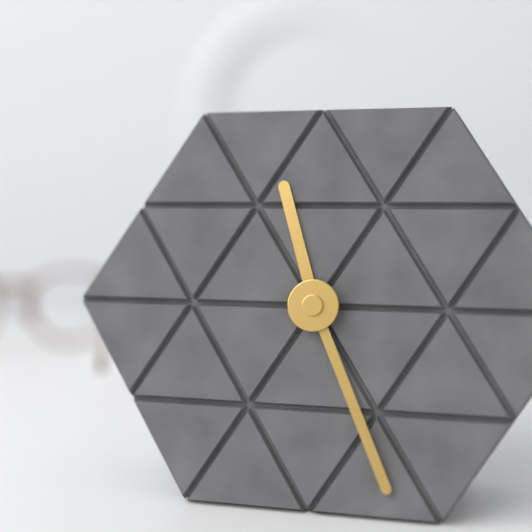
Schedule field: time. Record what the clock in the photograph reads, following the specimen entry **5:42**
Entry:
**11:26**
